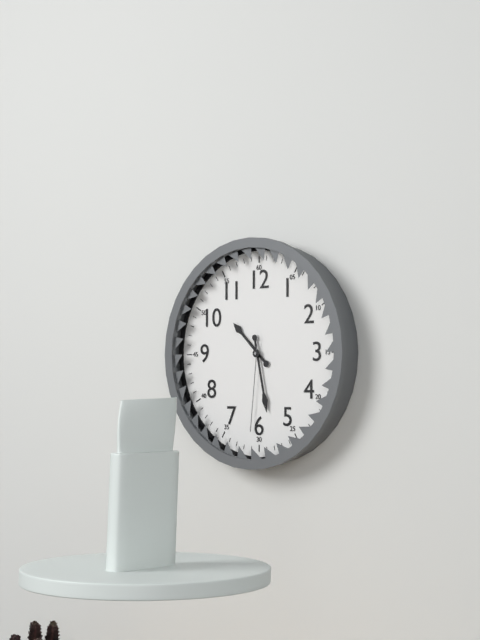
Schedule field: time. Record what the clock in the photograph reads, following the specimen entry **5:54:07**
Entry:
**10:28:31**
